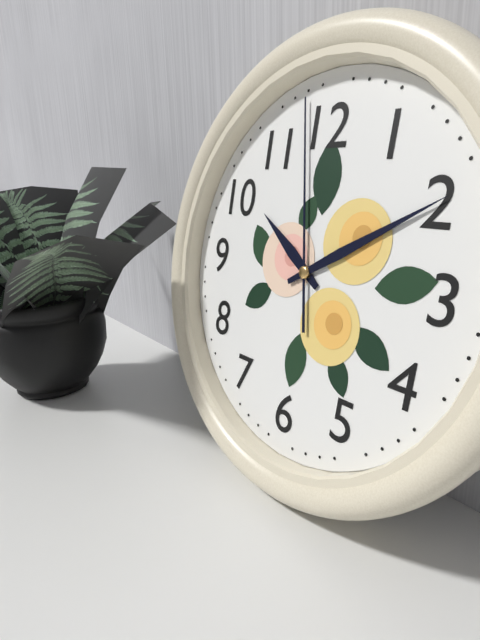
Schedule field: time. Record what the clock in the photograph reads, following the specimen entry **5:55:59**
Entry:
**10:10:58**
